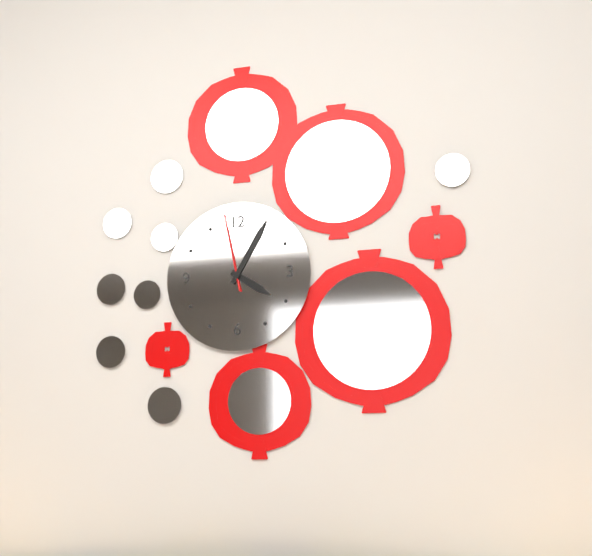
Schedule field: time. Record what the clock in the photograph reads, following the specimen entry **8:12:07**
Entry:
**4:05:58**
